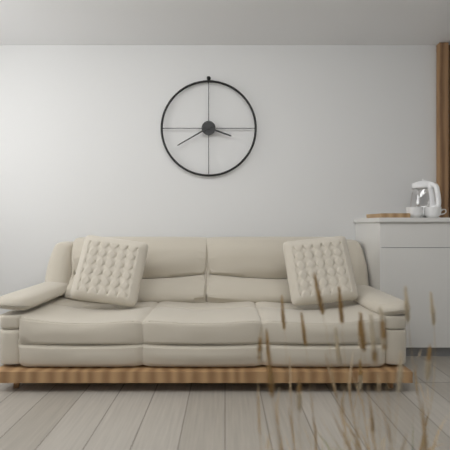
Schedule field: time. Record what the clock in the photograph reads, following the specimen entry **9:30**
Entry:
**3:40**
